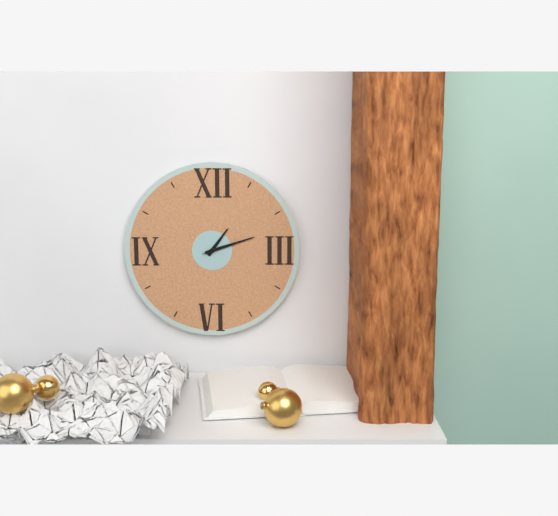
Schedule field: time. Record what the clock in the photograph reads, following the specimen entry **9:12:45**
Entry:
**1:12:12**
